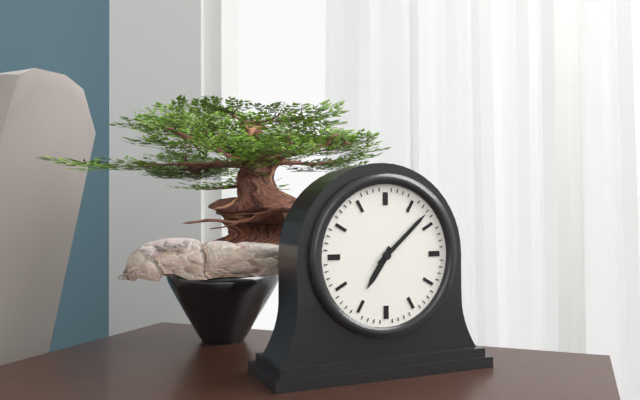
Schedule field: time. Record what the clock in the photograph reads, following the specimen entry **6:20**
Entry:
**7:08**
